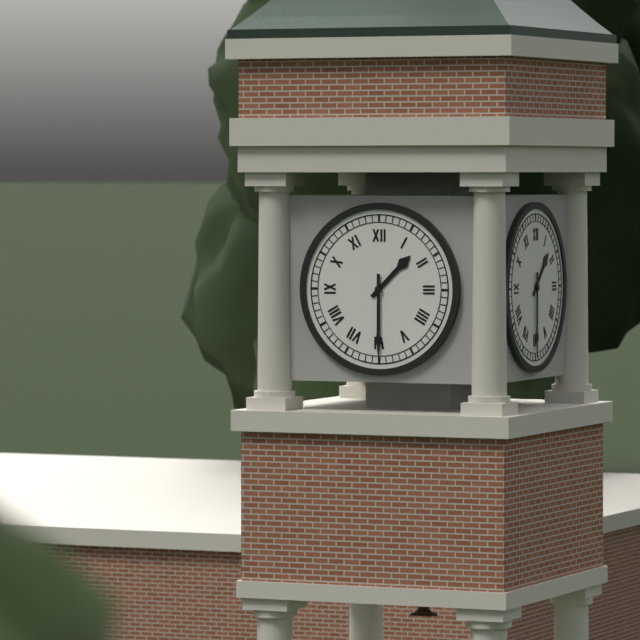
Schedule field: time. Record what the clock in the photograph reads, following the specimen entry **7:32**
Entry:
**1:30**
